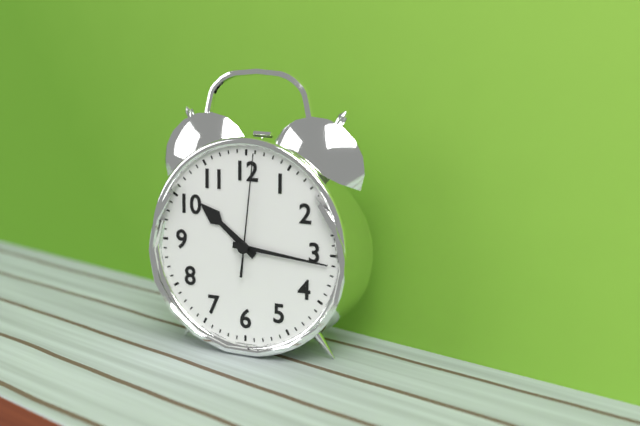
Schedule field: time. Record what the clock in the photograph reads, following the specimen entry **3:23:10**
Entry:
**10:16:01**
